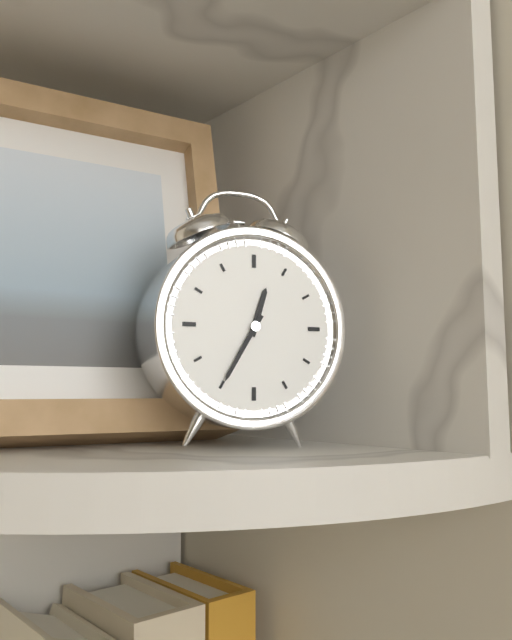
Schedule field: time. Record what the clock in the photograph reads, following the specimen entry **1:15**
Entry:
**12:35**
